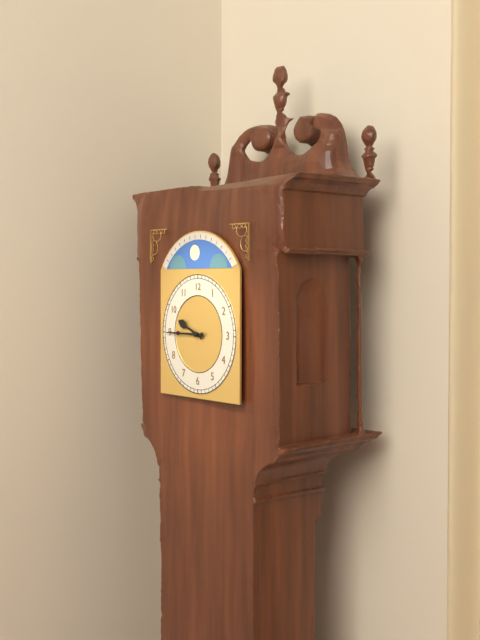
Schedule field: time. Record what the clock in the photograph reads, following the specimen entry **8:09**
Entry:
**9:45**
